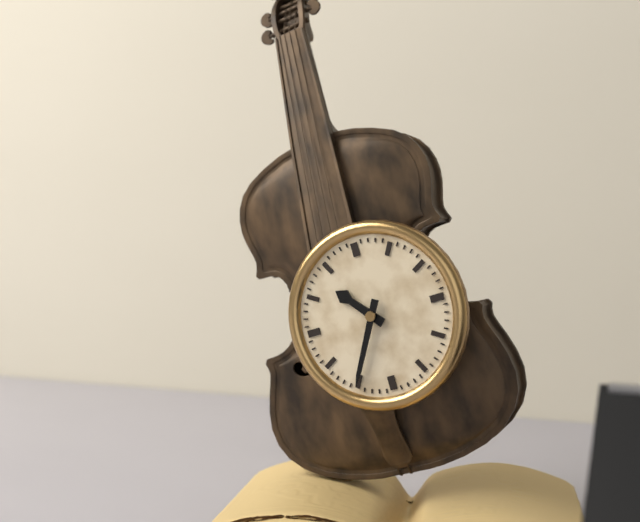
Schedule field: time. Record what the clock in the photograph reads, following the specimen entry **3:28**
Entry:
**10:35**
